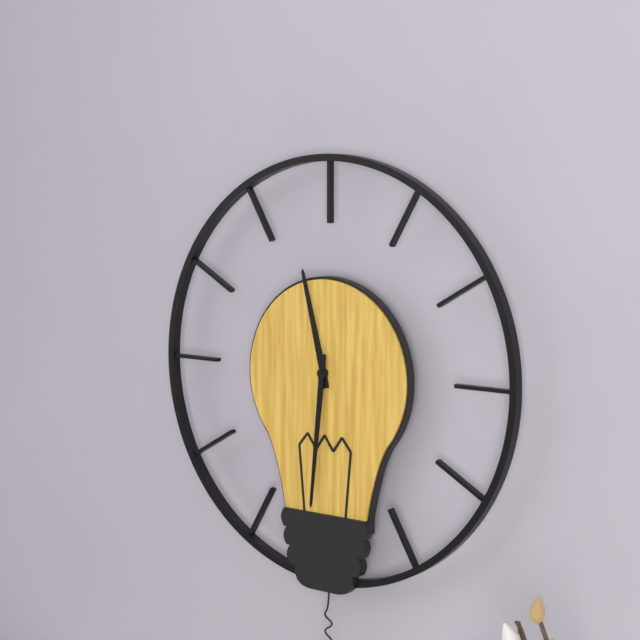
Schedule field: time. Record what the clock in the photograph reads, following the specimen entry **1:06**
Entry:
**11:31**
